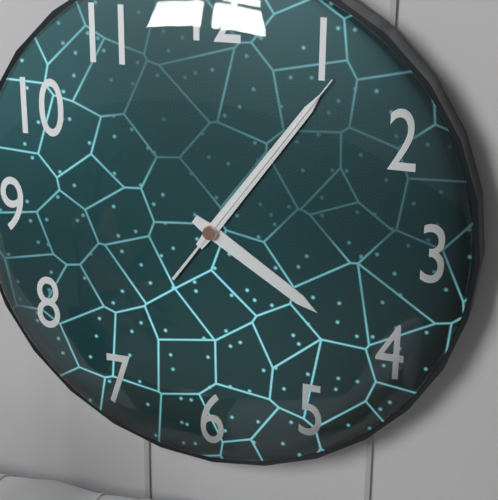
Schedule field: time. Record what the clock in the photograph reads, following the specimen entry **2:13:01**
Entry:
**4:06:06**
